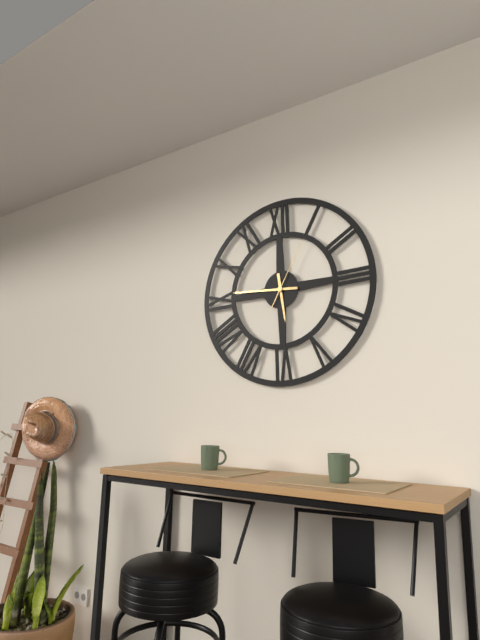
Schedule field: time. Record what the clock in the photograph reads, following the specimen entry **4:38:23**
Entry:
**5:46:05**
